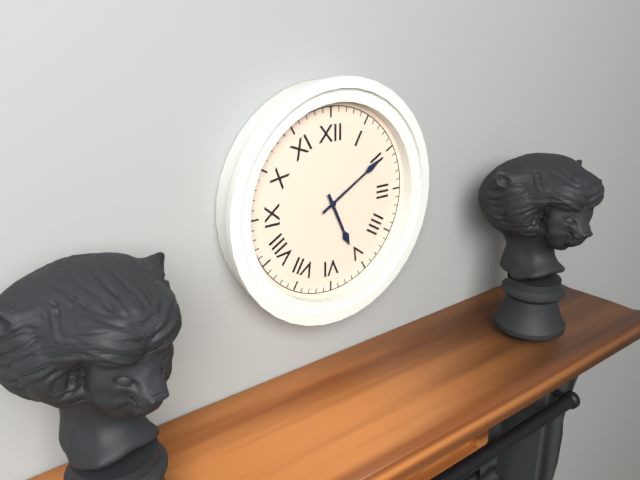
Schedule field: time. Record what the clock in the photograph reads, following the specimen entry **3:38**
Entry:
**5:10**
